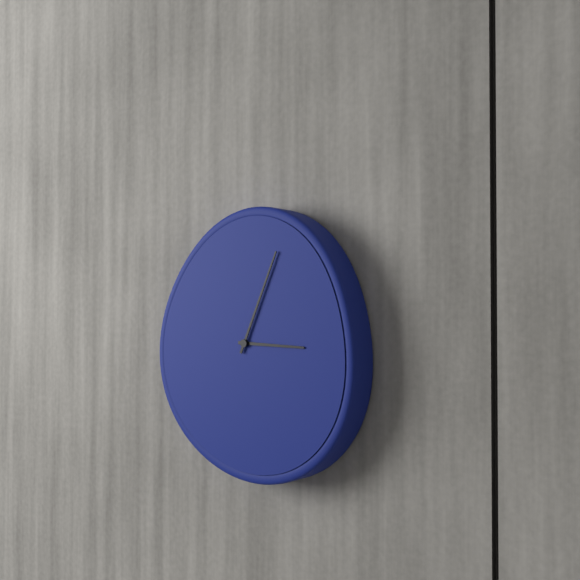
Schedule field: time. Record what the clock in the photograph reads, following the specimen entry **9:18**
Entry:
**3:04**
